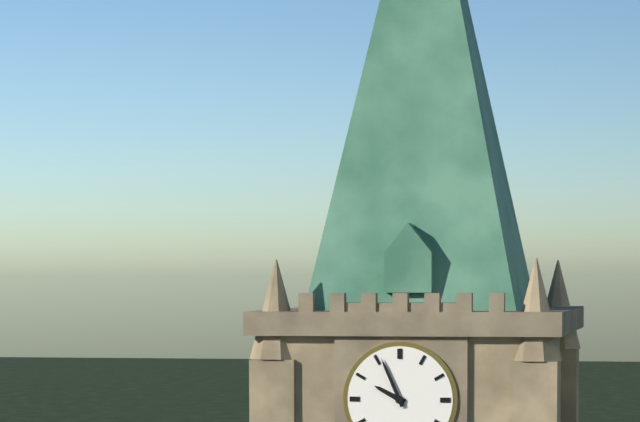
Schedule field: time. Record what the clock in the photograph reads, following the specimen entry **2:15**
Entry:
**9:56**
